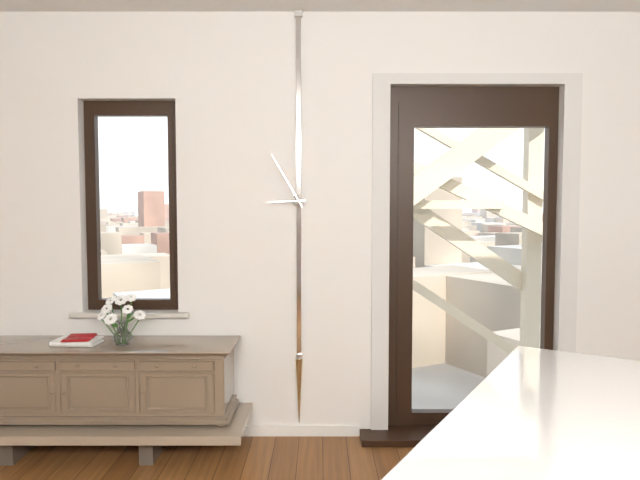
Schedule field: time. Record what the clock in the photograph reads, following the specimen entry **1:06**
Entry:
**8:55**
